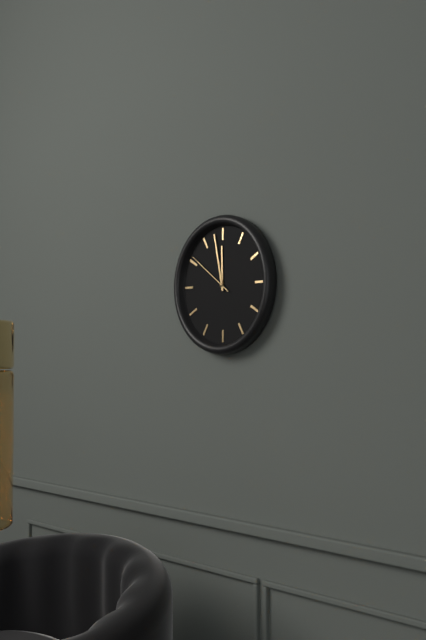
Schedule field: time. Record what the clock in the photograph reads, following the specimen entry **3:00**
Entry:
**11:58**
